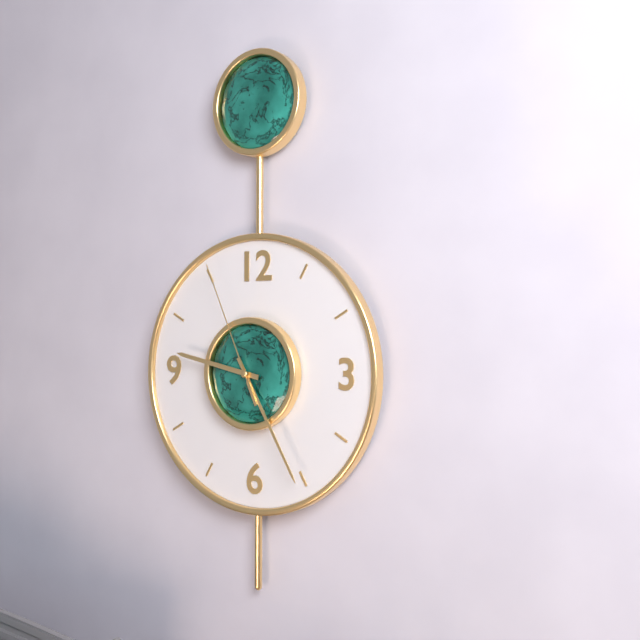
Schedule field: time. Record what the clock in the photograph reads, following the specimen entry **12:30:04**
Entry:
**9:25:56**
